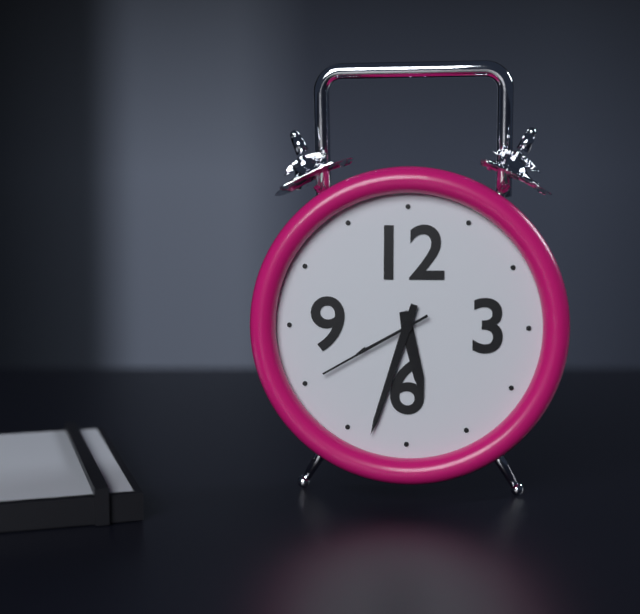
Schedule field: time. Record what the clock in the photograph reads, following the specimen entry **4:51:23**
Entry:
**5:33:40**
